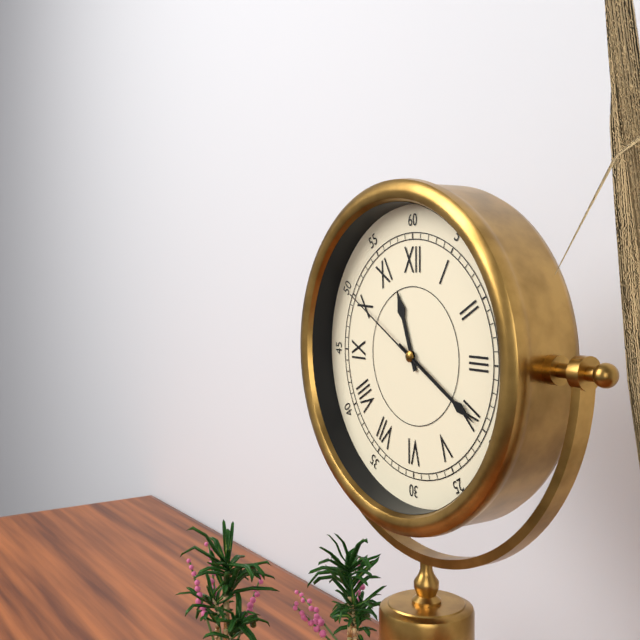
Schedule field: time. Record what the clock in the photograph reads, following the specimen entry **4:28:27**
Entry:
**11:20:50**
